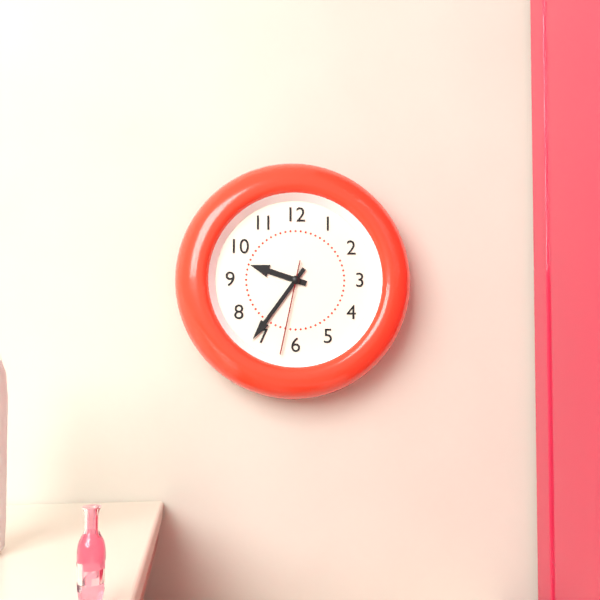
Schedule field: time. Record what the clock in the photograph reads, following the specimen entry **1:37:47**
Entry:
**9:36:32**
